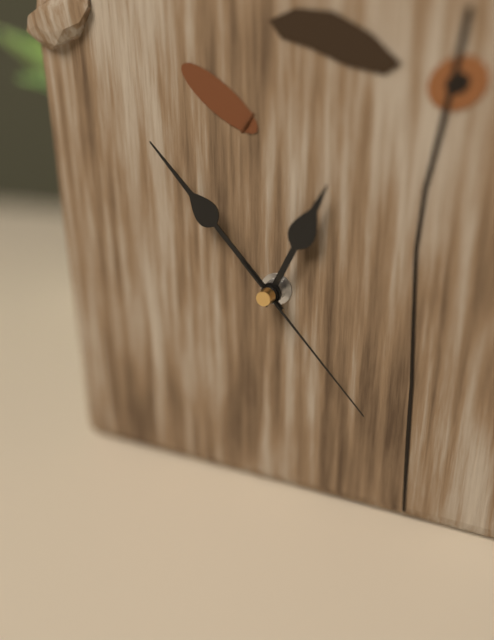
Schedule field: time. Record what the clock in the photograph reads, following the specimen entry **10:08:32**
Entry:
**12:53:23**
